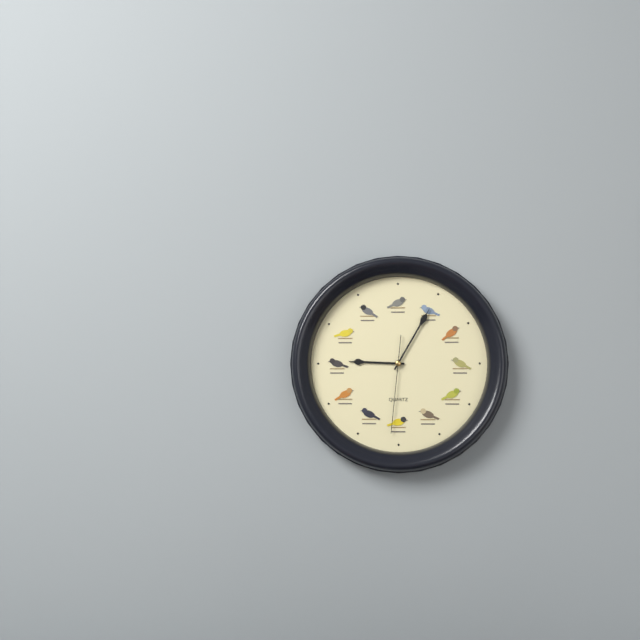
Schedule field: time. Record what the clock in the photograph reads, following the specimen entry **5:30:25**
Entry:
**9:05:31**
